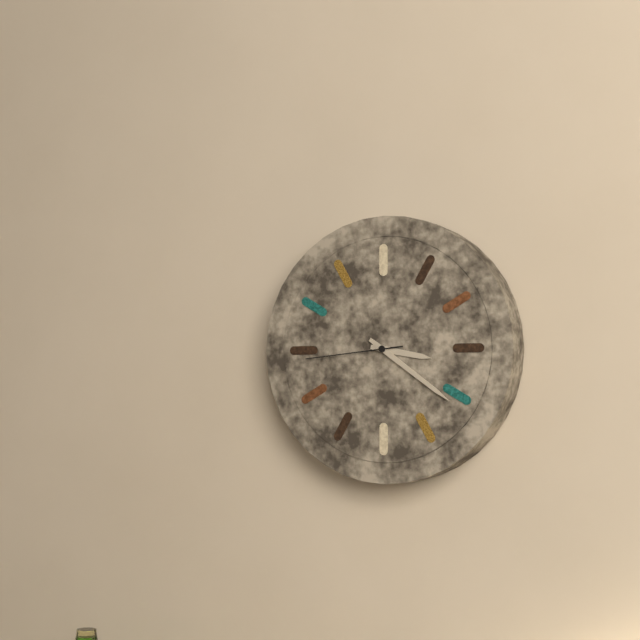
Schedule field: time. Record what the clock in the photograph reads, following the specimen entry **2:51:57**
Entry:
**3:21:44**
